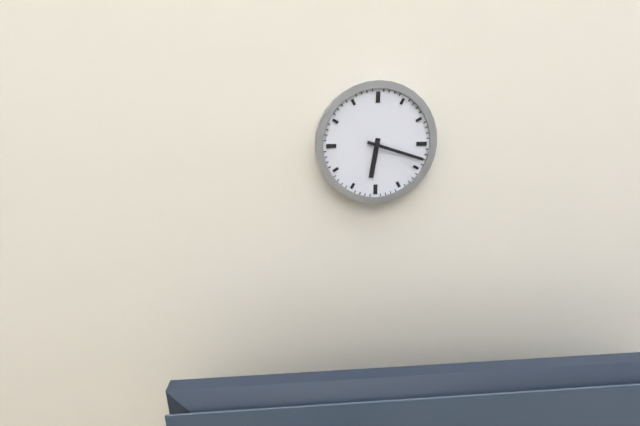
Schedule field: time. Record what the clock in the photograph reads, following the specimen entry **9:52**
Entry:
**6:18**
